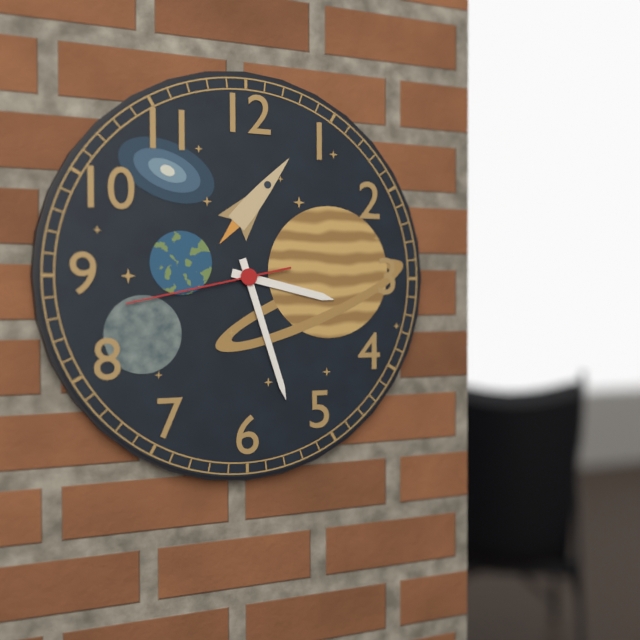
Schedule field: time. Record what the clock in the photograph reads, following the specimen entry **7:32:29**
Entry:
**3:27:43**
